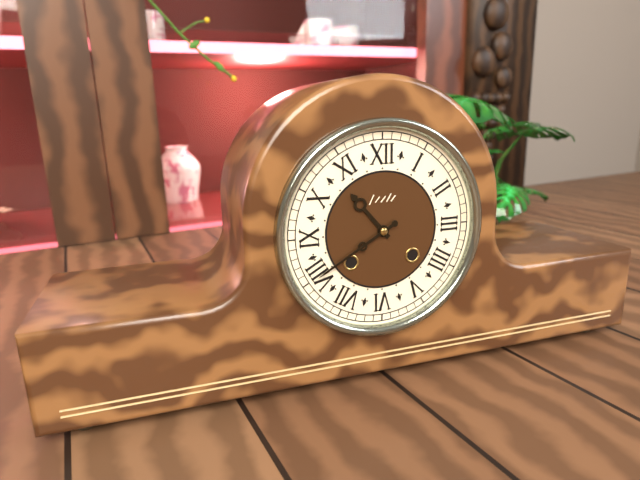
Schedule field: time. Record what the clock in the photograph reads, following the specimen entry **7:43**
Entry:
**10:40**
